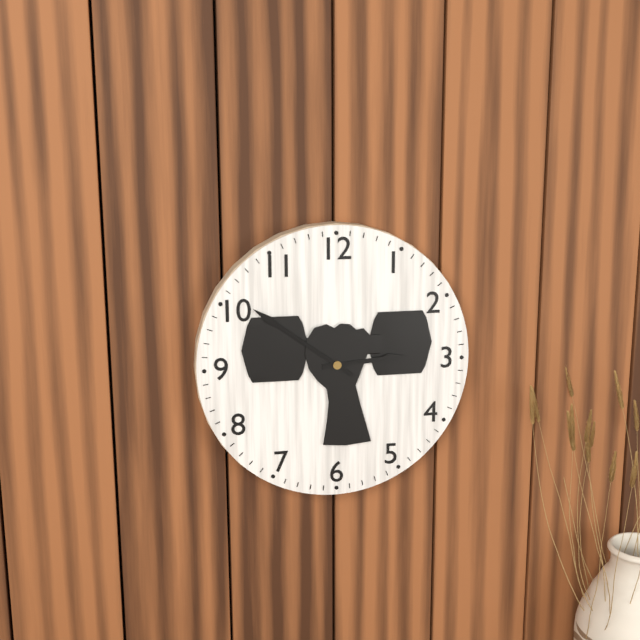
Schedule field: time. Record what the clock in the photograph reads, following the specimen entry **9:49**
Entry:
**2:51**
